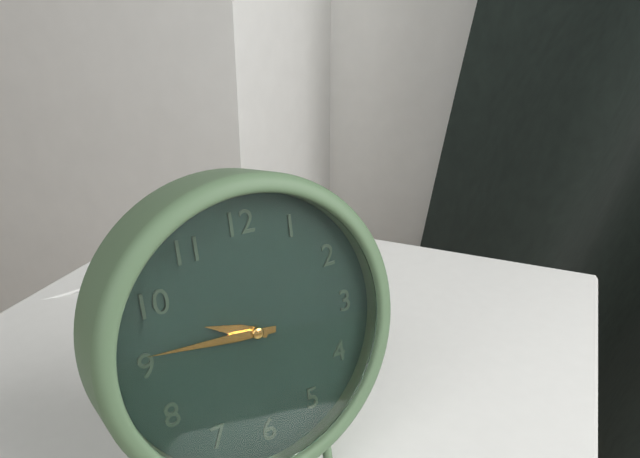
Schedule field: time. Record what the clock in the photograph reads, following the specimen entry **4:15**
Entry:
**9:46**
